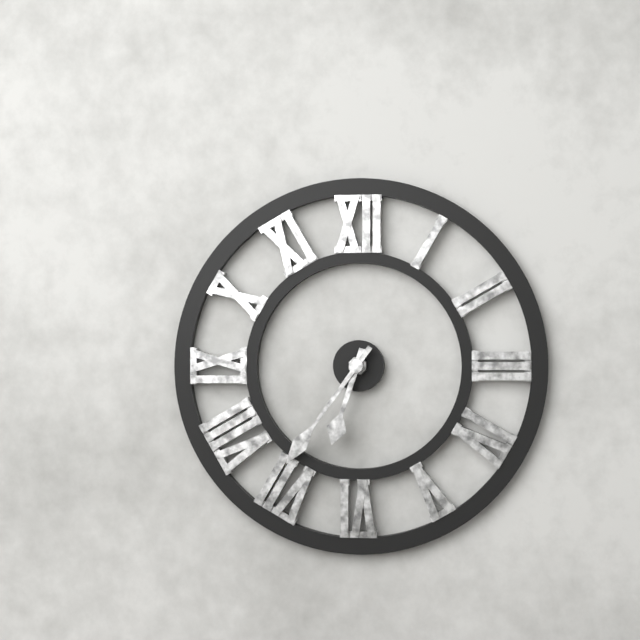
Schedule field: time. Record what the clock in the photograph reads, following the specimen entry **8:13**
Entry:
**6:36**
